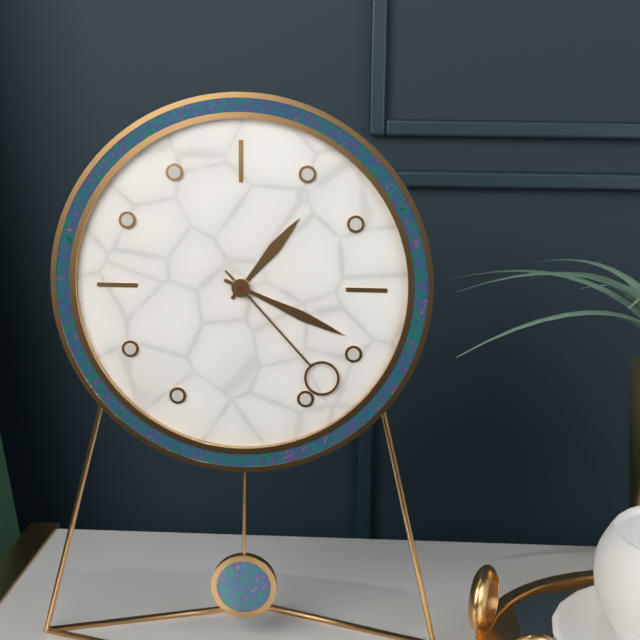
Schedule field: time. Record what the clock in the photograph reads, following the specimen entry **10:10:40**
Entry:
**1:19:23**
